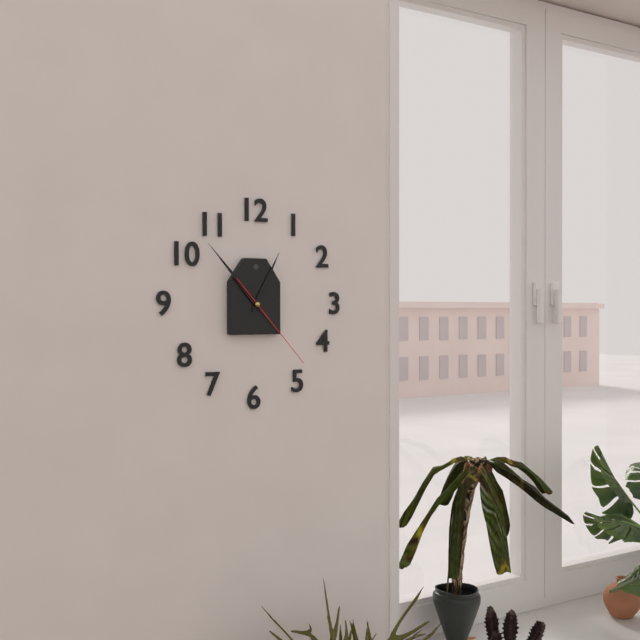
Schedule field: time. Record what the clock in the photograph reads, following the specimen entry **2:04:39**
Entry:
**12:53:23**
